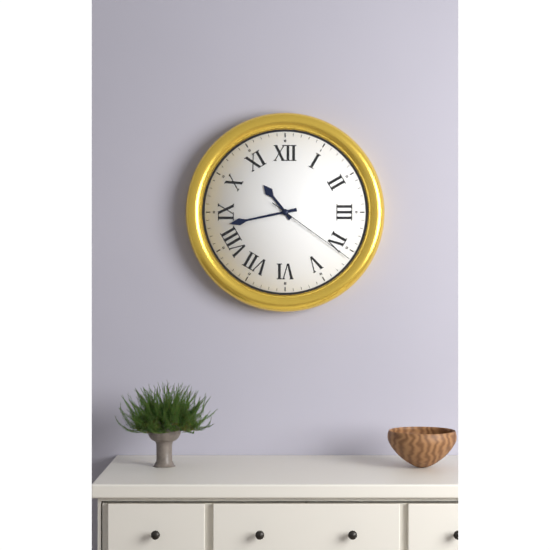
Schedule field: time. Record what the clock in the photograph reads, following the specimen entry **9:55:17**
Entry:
**10:43:21**
